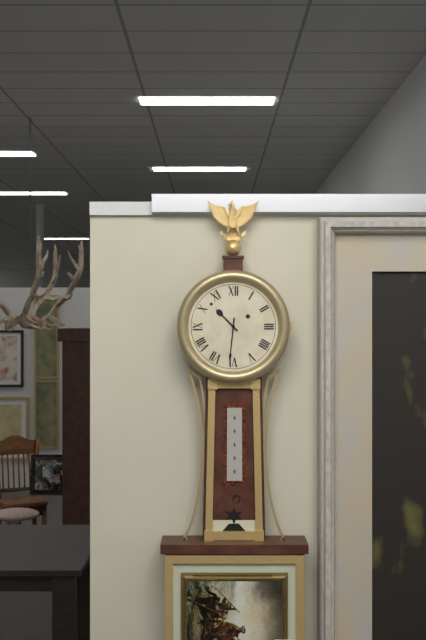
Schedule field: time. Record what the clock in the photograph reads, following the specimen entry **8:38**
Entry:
**10:31**
